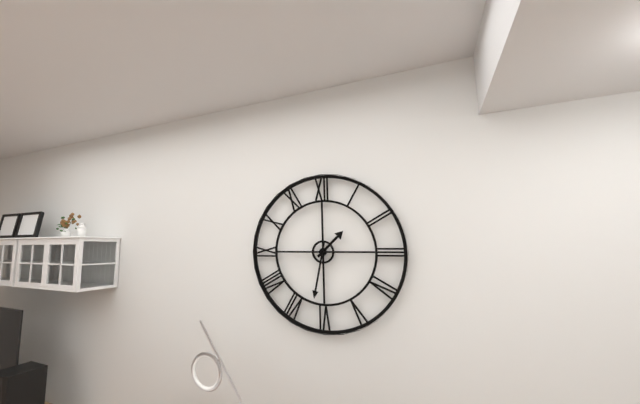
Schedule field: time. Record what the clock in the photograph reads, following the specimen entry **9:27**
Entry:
**1:32**
